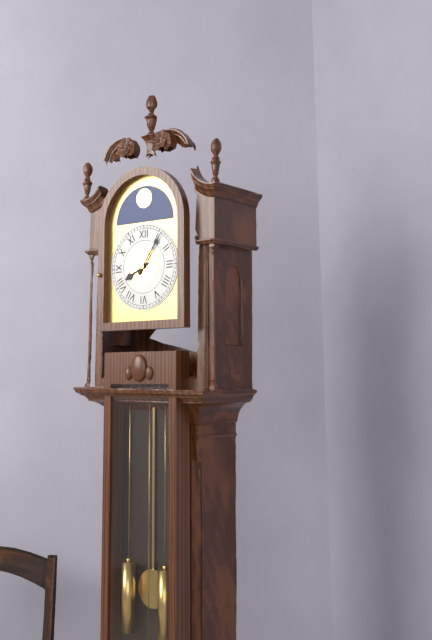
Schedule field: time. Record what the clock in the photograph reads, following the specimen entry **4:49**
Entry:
**8:06**
